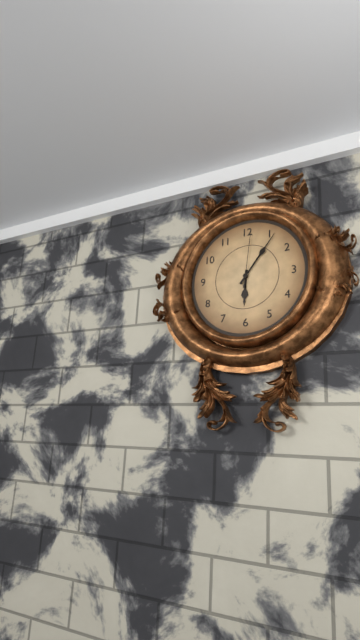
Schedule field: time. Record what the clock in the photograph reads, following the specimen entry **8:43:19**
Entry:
**6:06:01**
